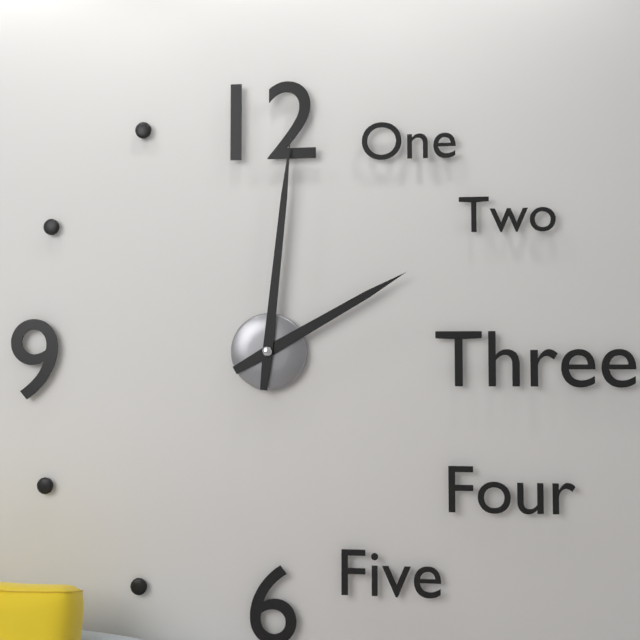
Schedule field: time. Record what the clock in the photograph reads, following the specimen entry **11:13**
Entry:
**2:01**
